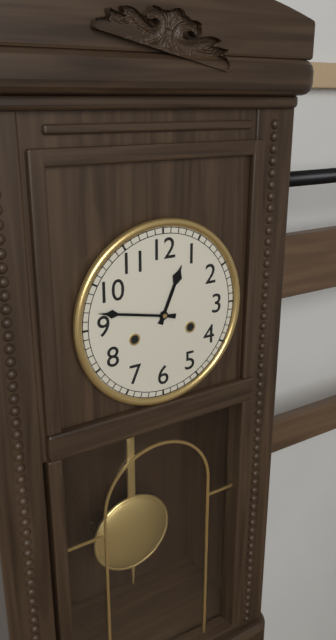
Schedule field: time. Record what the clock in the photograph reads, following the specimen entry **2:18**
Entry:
**12:47**
